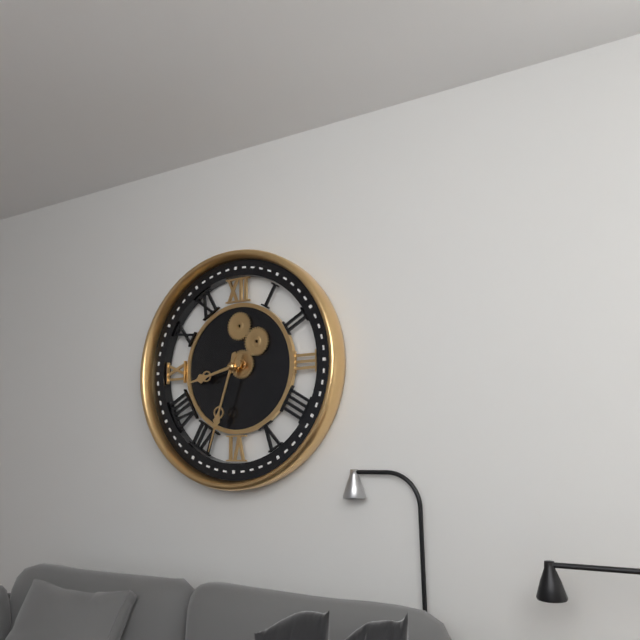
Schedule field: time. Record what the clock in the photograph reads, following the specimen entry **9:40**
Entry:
**8:33**
